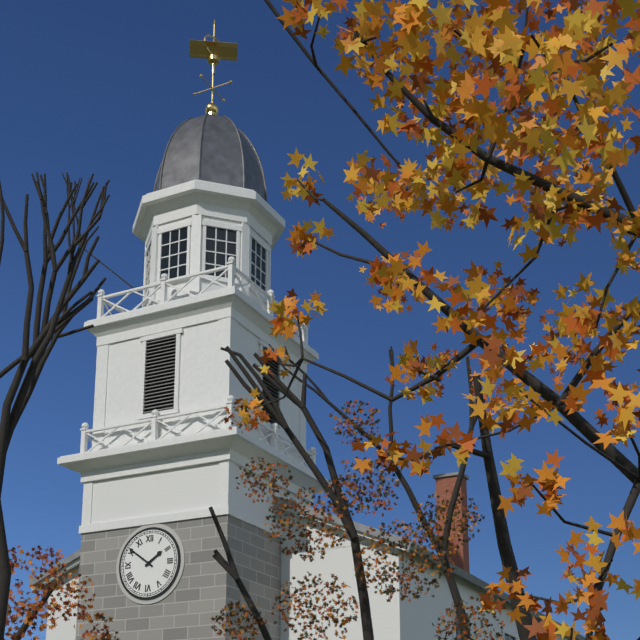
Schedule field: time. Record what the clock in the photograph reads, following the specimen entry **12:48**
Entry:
**1:51**
